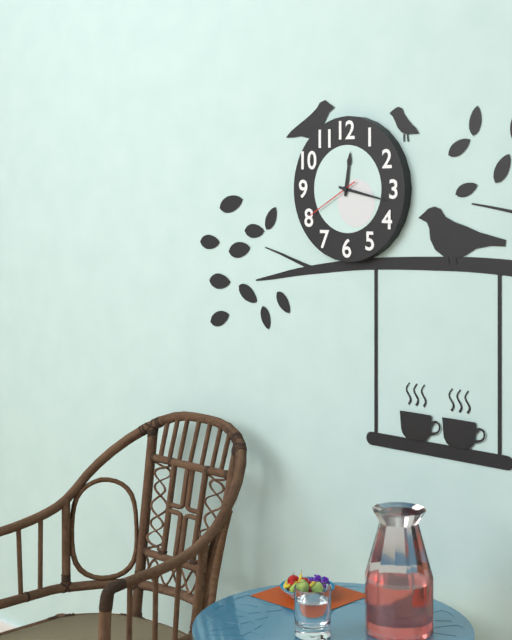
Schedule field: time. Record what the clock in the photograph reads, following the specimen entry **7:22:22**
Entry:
**12:17:40**
